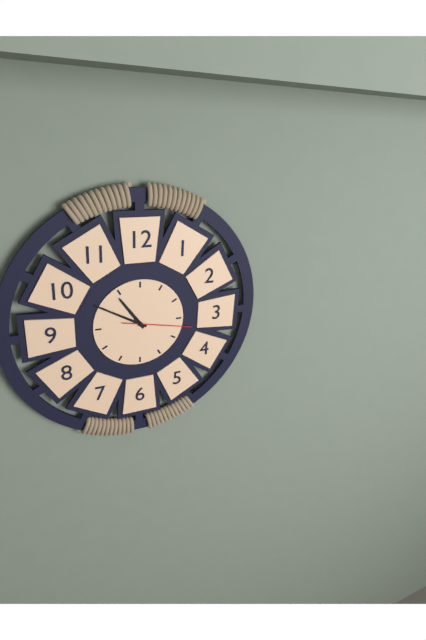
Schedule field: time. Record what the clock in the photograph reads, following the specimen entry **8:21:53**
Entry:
**10:50:17**
